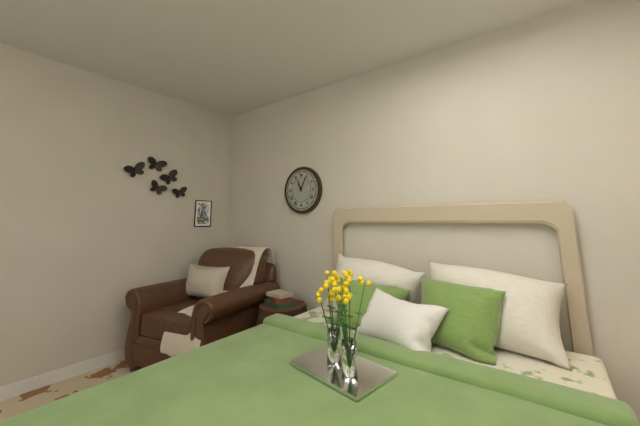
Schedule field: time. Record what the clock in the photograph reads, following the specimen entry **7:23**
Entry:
**11:04**
